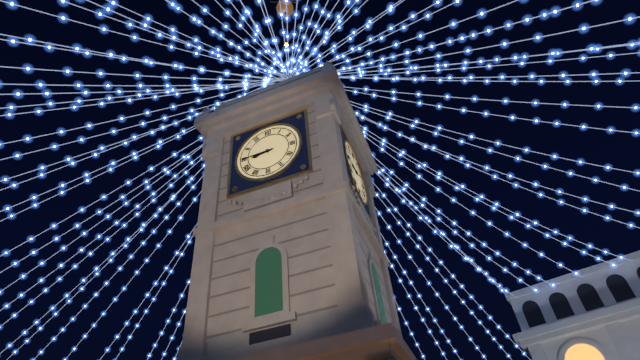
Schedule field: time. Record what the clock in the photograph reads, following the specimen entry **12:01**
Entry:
**8:45**
